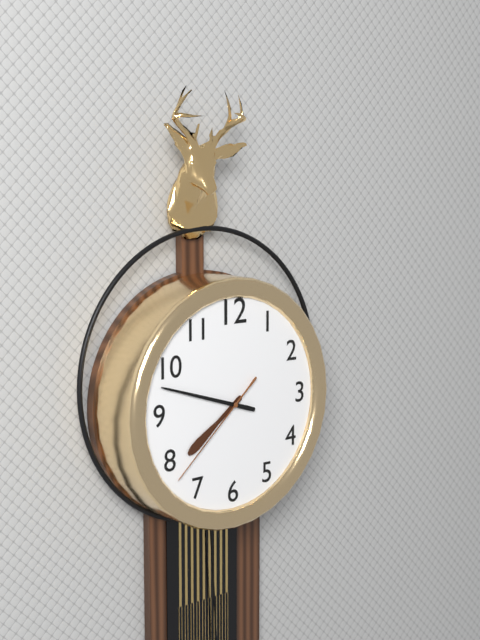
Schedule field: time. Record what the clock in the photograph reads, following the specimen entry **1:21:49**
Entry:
**7:48:38**
